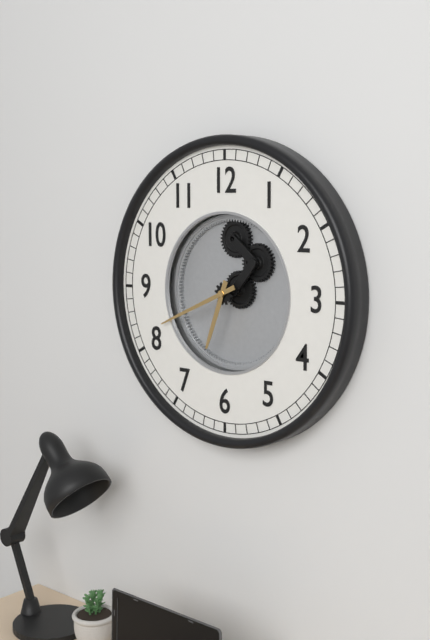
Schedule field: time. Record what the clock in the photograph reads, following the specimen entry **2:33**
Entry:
**6:41**
